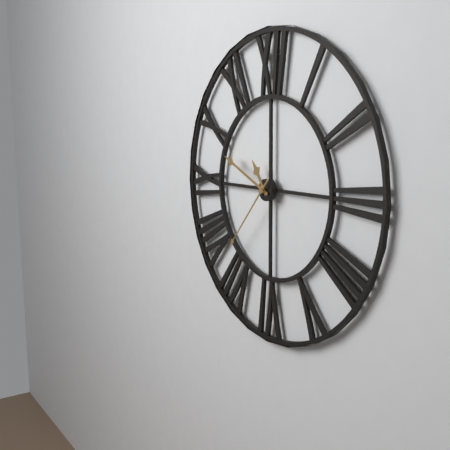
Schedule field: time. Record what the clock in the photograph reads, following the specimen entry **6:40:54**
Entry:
**10:49:37**
